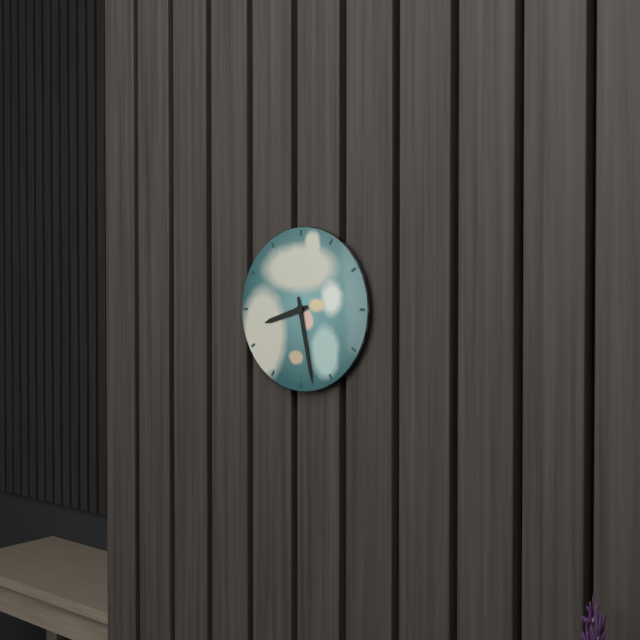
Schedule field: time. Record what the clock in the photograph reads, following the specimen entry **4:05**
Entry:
**8:28**
